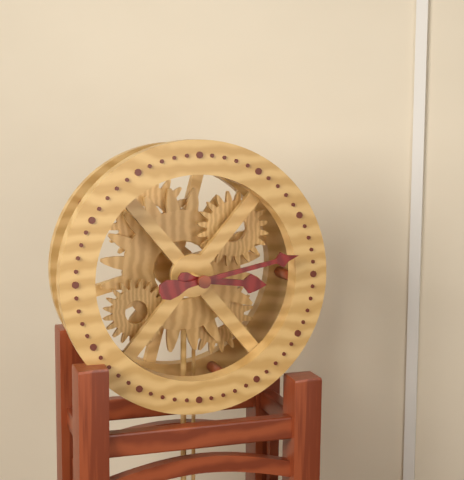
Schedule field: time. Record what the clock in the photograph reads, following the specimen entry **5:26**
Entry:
**3:13**
